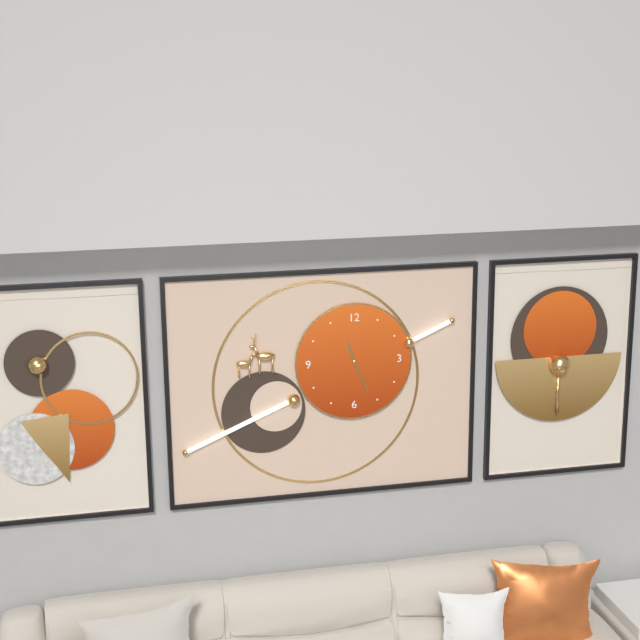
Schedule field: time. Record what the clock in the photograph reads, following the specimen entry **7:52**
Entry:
**11:26**
